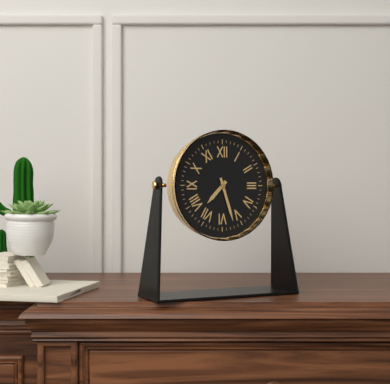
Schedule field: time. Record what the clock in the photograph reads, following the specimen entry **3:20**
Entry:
**7:27**
